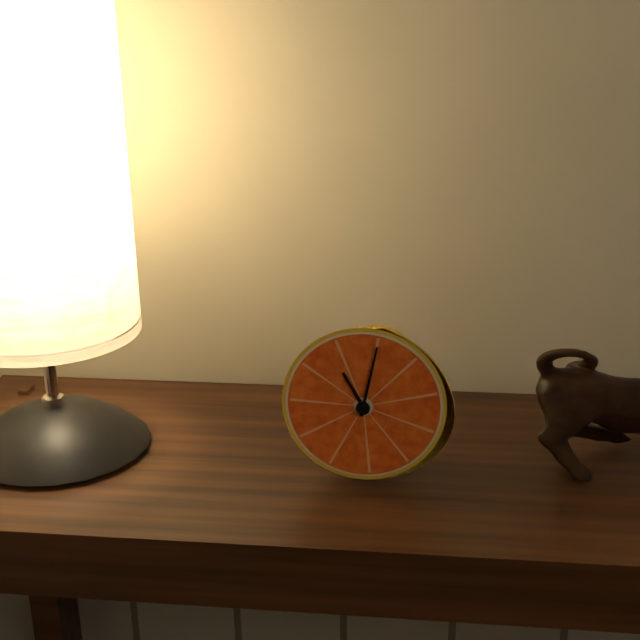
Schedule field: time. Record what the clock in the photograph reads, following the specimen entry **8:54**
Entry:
**11:02**
